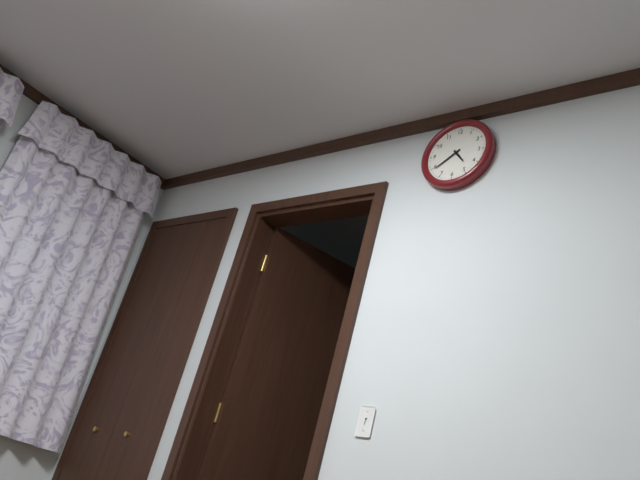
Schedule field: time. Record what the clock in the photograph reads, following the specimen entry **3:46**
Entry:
**4:39**
